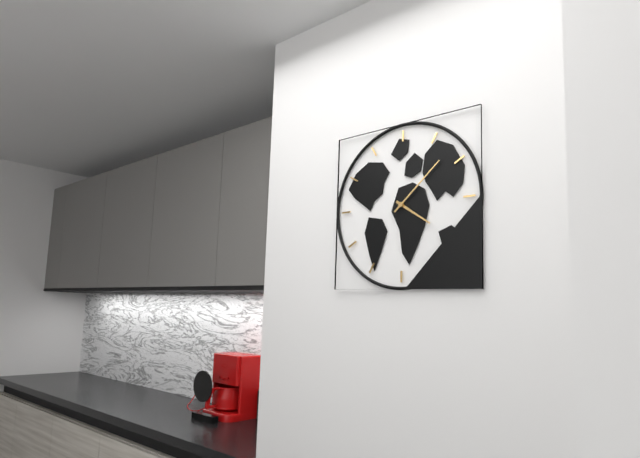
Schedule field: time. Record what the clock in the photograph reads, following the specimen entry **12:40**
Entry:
**4:08**
